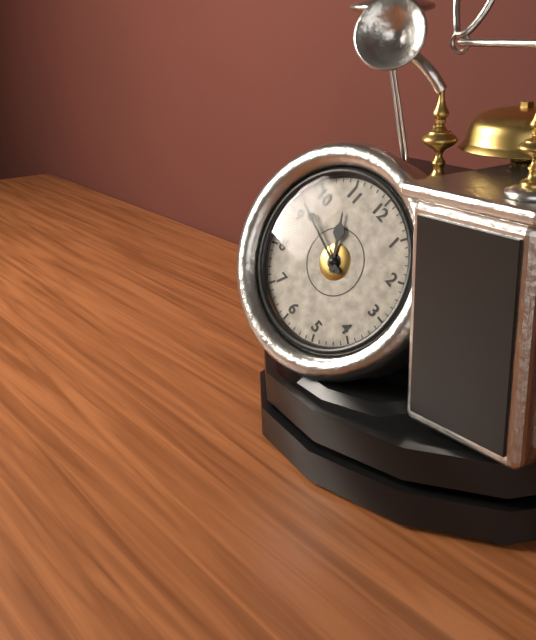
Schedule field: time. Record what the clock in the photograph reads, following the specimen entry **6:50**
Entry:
**10:47**
